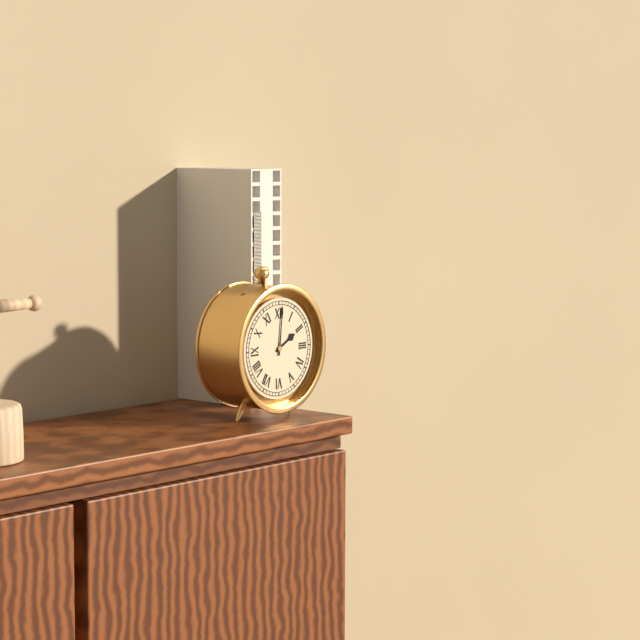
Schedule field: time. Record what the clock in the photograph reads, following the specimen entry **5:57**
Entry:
**2:01**
